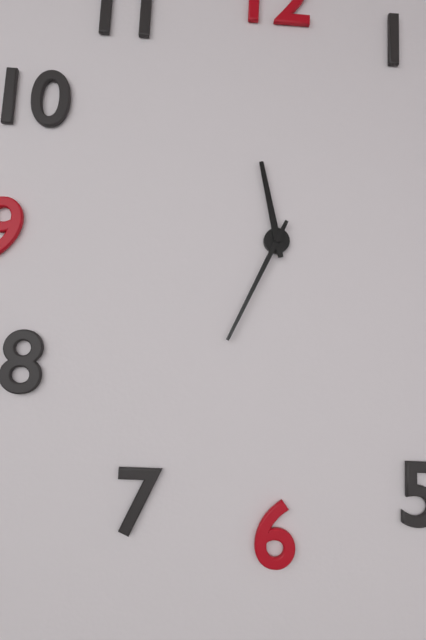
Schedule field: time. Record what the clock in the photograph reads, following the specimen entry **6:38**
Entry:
**11:34**
